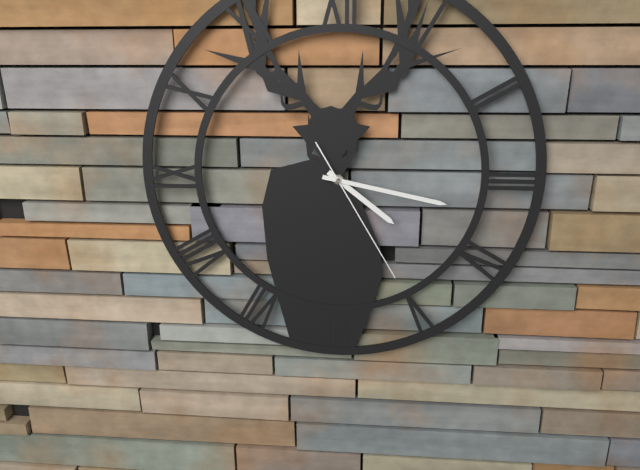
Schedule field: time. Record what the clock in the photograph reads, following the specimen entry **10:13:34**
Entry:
**4:17:25**
